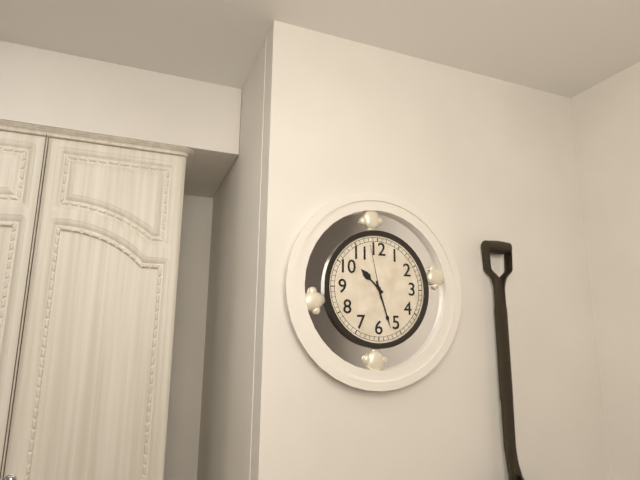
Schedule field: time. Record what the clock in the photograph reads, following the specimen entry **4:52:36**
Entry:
**10:27:58**
